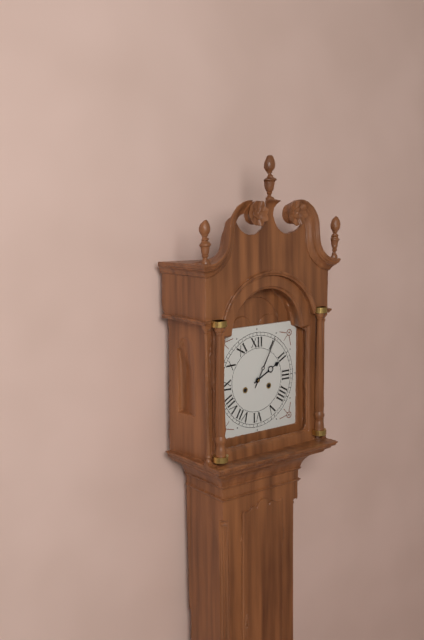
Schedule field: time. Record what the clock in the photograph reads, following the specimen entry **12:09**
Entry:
**2:05**
